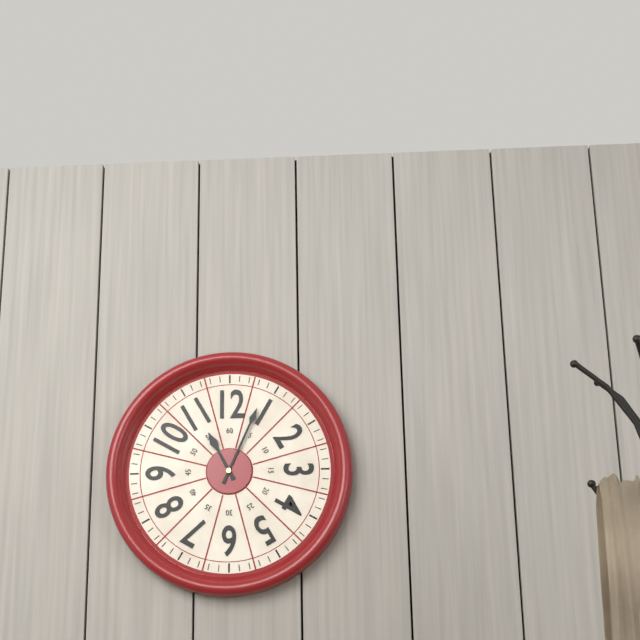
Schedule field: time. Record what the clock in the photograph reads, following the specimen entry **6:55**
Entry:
**11:04**
